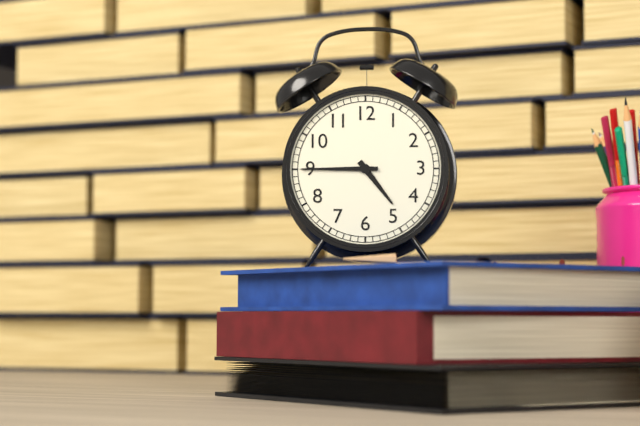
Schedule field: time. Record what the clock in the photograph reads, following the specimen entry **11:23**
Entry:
**4:45**
